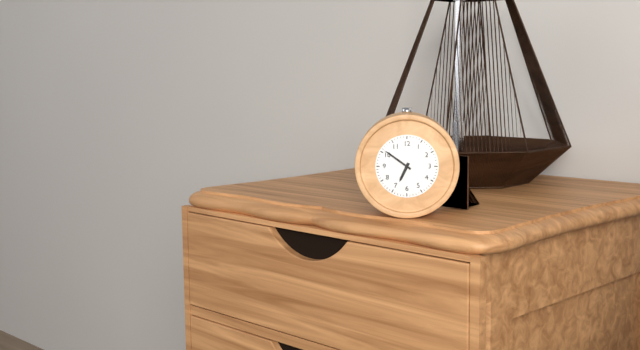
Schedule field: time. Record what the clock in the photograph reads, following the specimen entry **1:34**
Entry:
**6:51**
